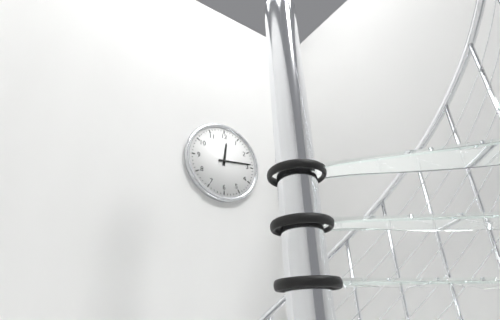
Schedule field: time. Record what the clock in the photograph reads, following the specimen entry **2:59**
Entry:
**12:14**
